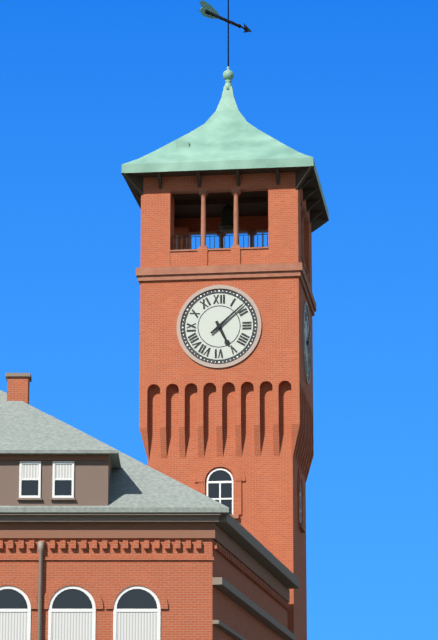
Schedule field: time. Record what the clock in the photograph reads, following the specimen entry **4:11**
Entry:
**5:08**
